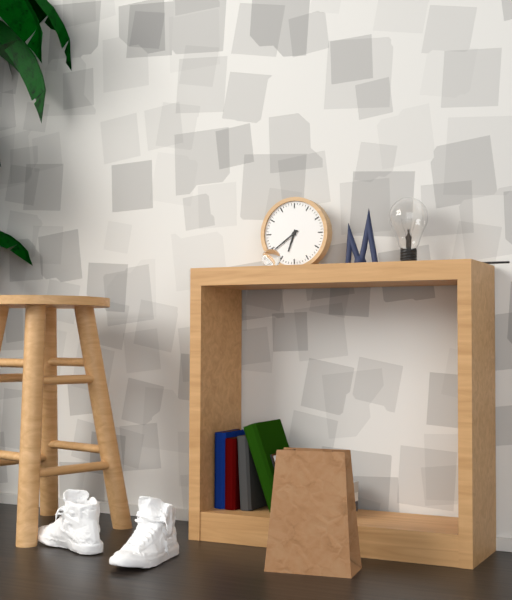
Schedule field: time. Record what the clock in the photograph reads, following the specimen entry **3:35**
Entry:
**6:39**
